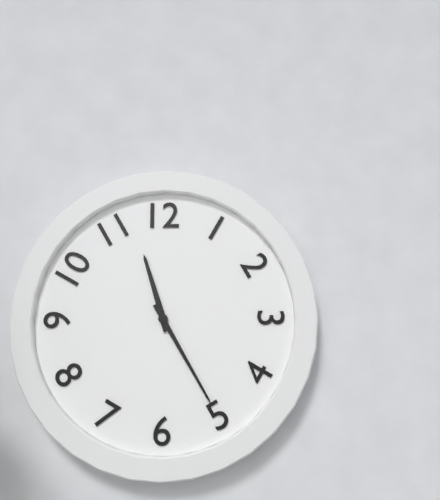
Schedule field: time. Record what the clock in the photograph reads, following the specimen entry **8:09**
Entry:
**11:25**
